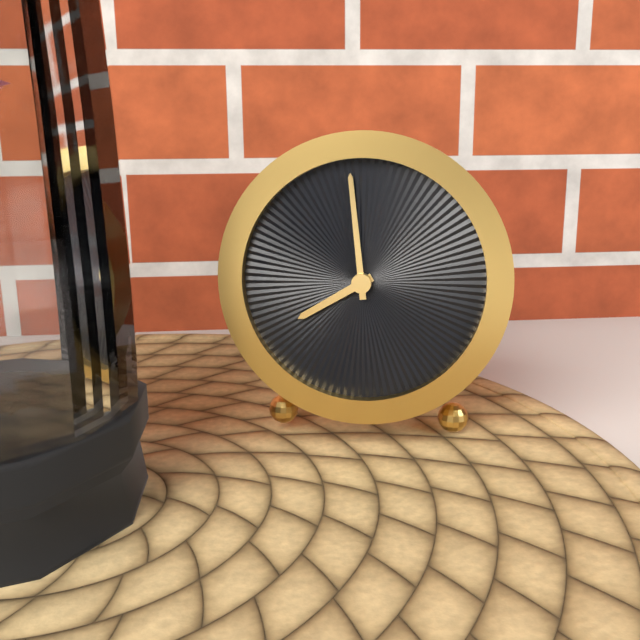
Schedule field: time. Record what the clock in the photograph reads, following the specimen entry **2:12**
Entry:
**7:59**
